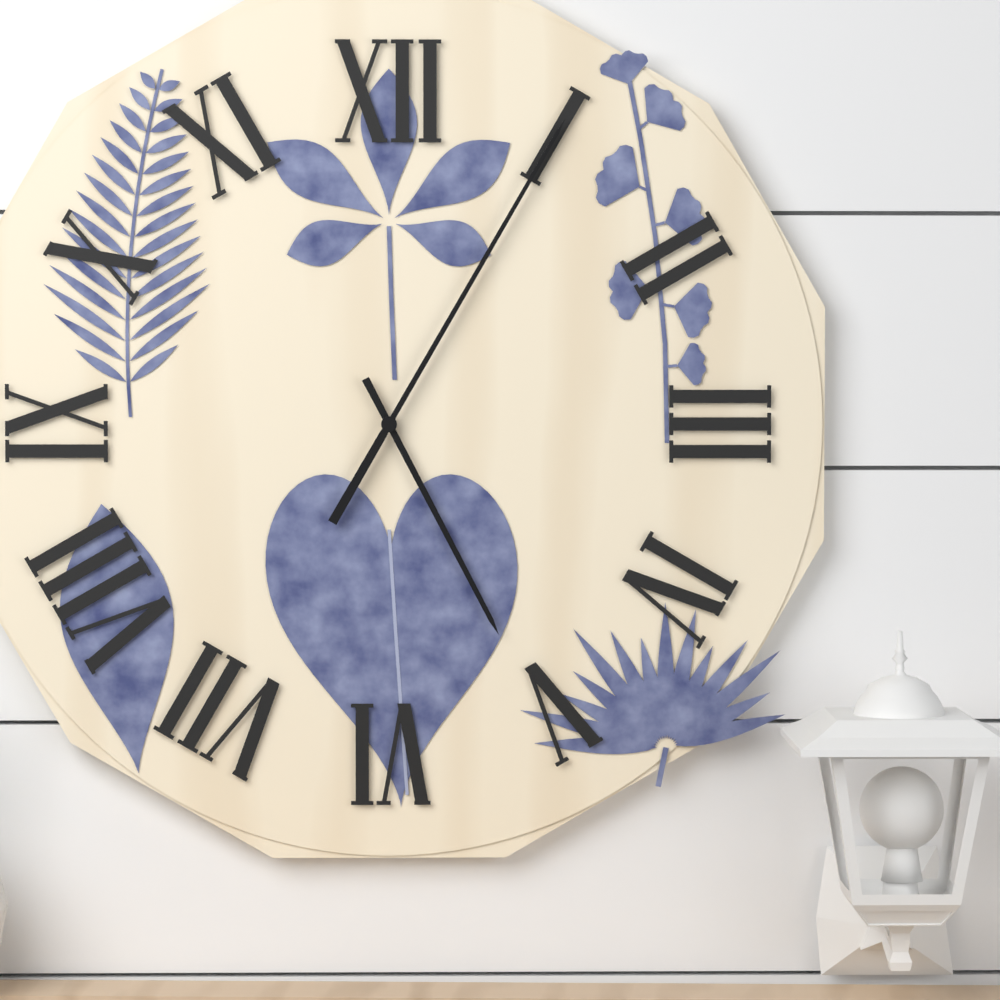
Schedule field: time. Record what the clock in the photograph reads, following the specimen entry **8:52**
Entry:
**5:05**
